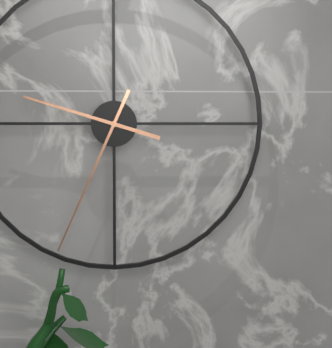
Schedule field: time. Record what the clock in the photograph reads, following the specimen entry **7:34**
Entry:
**9:34**
